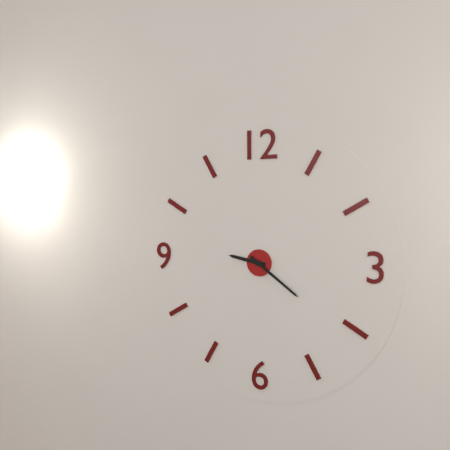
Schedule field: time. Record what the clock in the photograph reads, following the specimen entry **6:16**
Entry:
**9:21**
